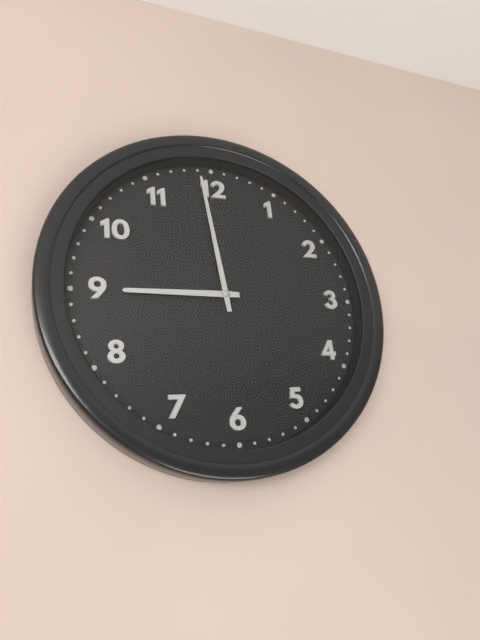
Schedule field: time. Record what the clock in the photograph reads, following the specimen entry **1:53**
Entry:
**8:59**
